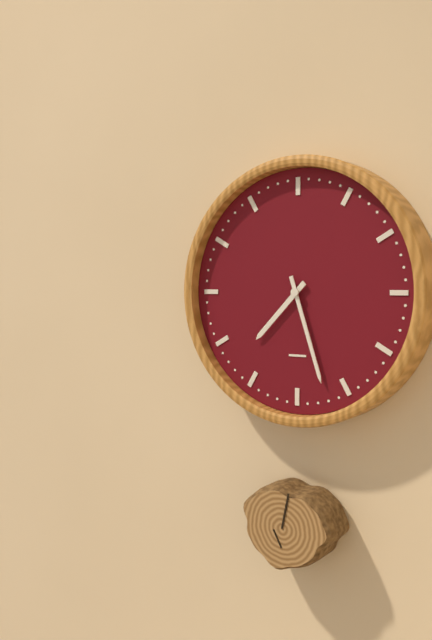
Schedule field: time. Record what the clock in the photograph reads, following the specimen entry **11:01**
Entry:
**7:27**
